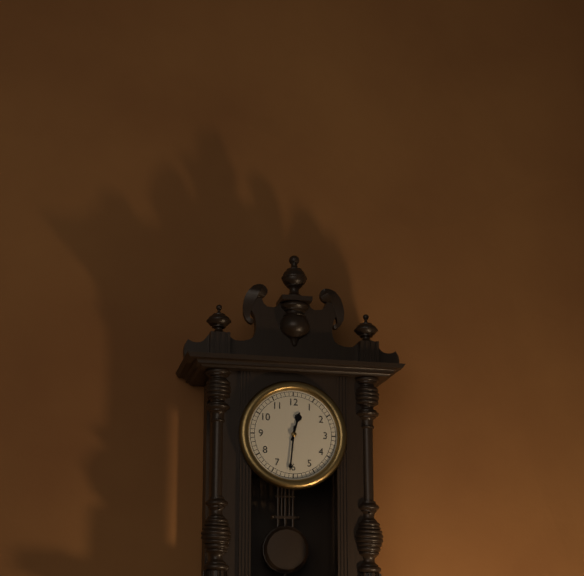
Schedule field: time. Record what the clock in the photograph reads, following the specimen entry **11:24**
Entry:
**12:31**
